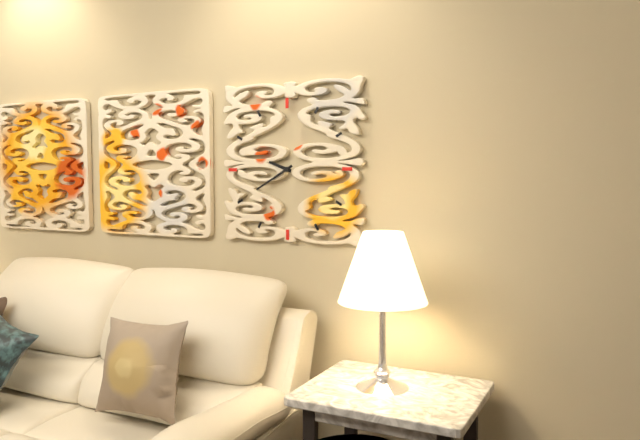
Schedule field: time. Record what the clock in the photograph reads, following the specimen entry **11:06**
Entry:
**9:40**
